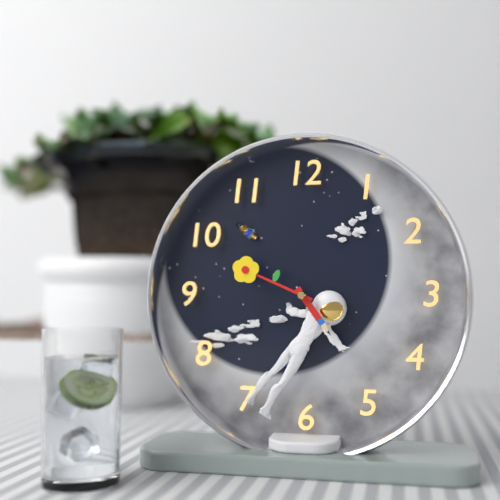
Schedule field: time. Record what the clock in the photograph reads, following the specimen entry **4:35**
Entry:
**4:49**
